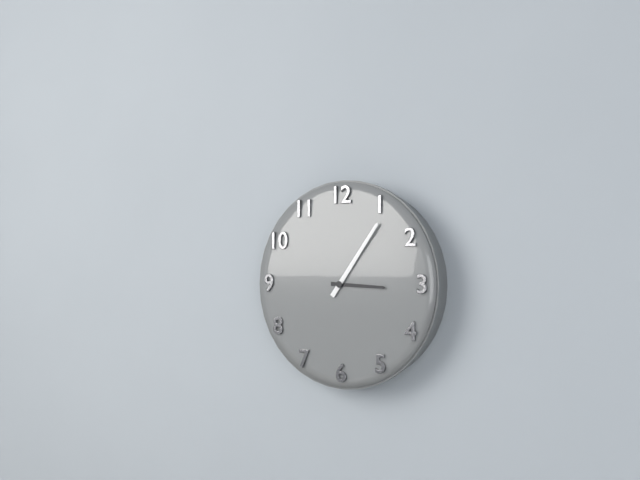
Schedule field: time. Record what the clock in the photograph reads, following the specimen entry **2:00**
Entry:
**3:06**
